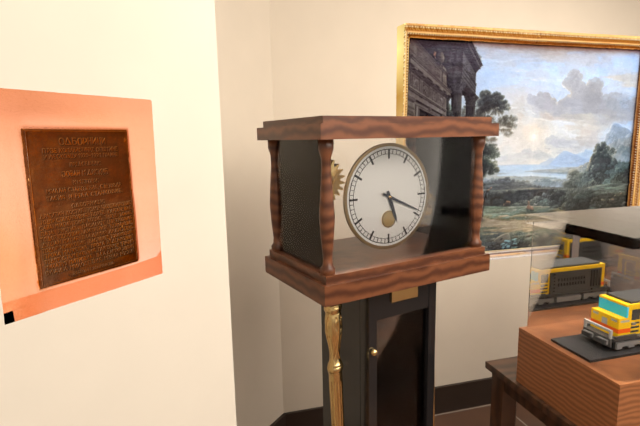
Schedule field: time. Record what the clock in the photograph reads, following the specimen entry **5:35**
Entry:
**5:19**
